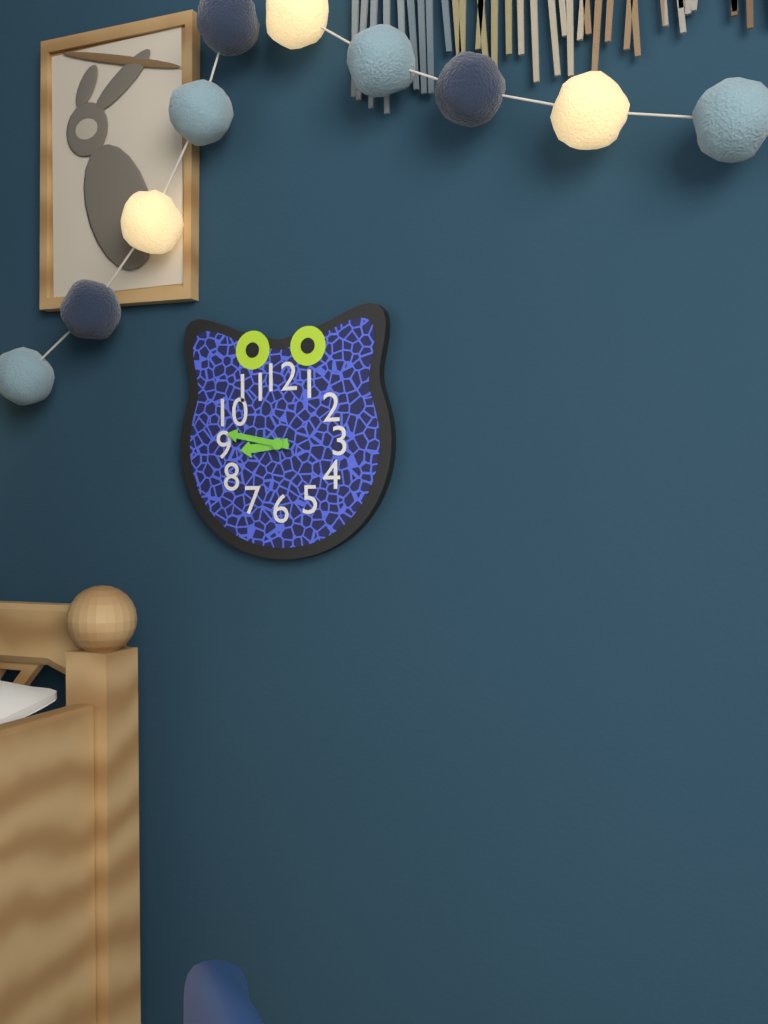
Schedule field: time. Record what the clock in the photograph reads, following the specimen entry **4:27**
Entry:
**8:47**
